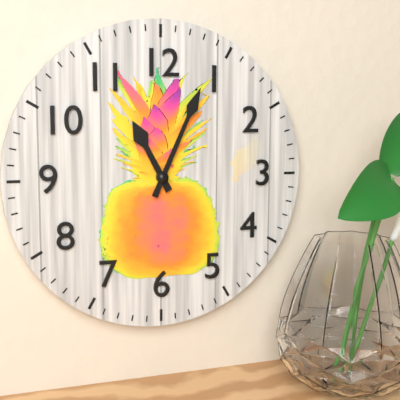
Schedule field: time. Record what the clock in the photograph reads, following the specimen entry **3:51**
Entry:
**11:04**
